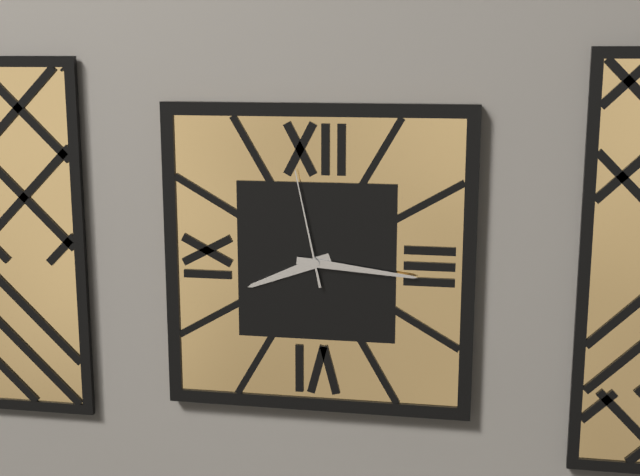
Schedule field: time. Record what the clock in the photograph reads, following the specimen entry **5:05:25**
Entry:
**8:16:58**
